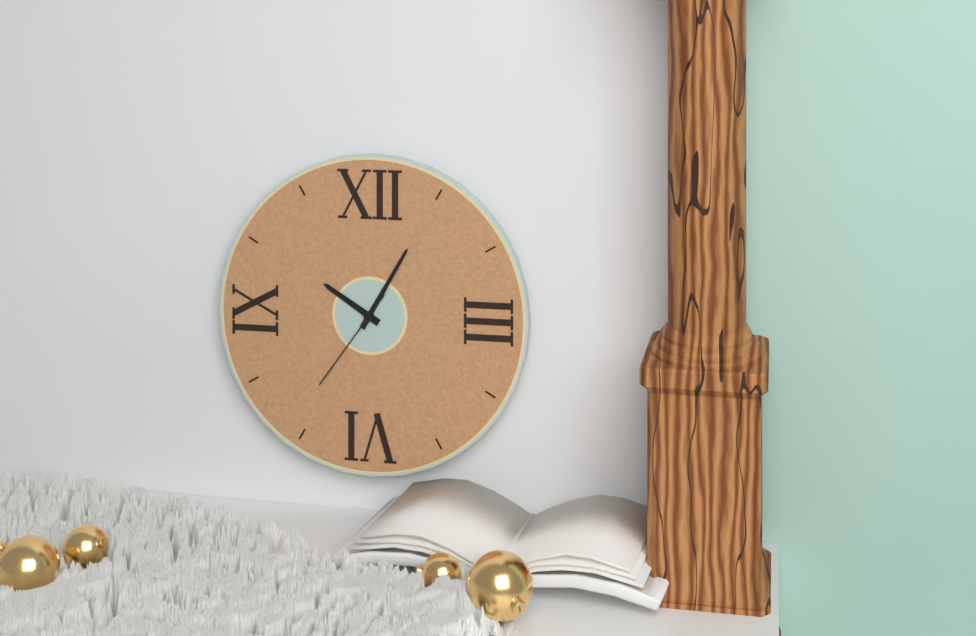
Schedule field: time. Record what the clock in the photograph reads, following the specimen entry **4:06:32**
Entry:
**10:05:36**
